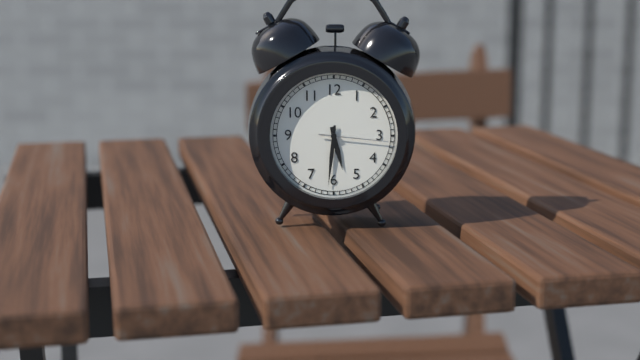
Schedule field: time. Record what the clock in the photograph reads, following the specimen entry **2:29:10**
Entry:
**5:31:16**
